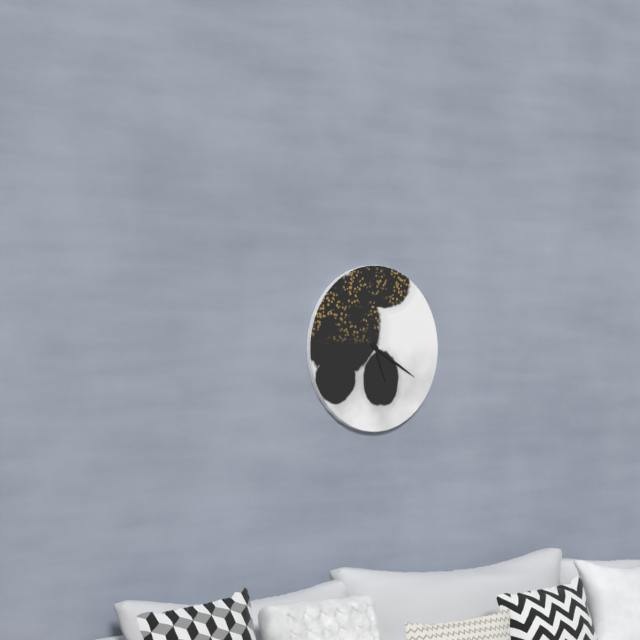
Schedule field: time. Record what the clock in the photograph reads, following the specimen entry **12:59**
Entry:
**5:20**
